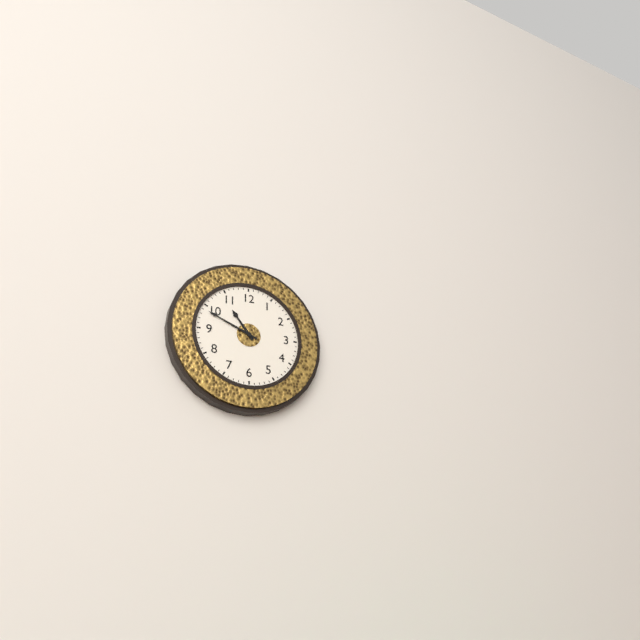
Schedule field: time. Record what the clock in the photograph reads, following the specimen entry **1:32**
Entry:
**10:49**
